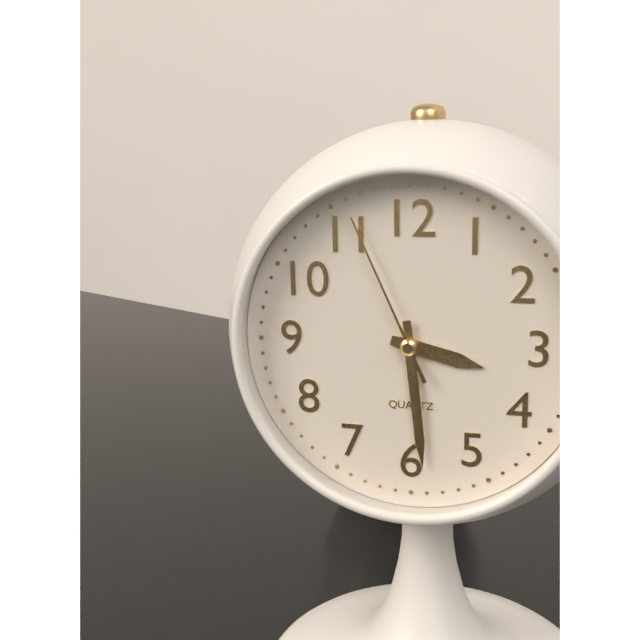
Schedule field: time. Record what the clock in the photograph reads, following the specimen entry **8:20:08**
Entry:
**3:29:56**
